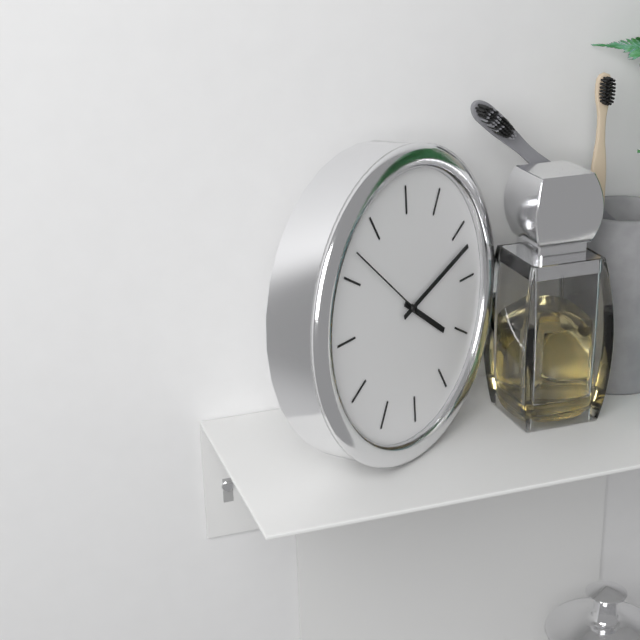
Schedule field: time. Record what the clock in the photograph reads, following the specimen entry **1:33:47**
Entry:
**4:12:52**
